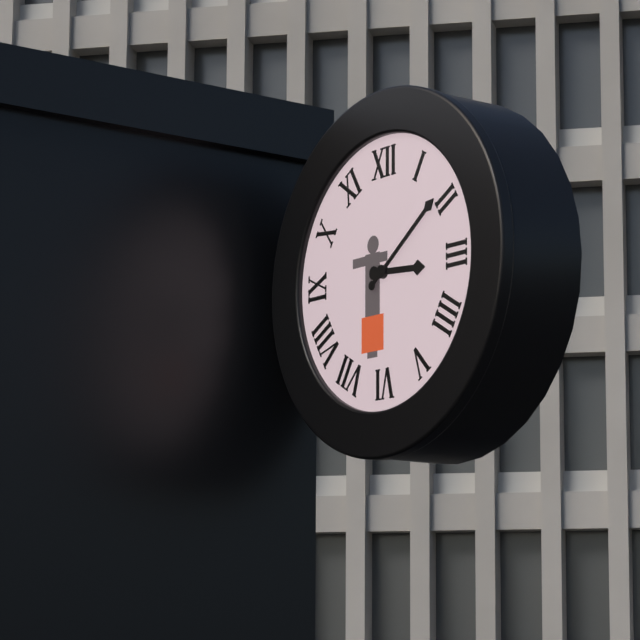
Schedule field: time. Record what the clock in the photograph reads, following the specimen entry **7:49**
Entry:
**3:09**
